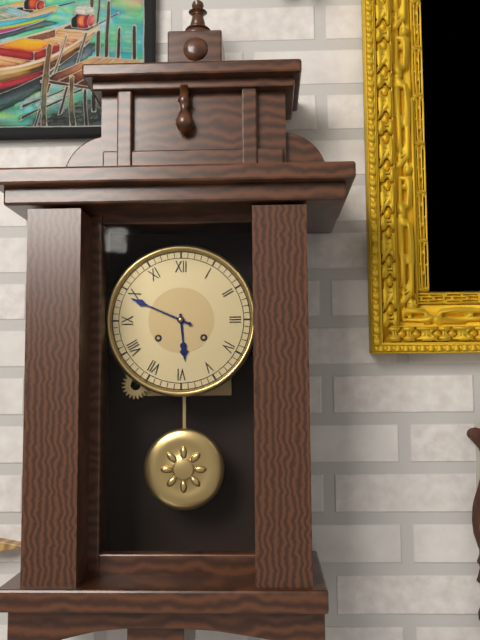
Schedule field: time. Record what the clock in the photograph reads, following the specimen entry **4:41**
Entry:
**5:49**
